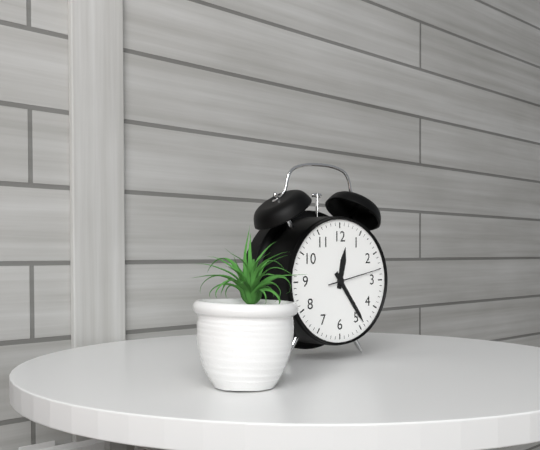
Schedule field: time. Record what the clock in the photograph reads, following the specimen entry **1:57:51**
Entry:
**12:24:13**
